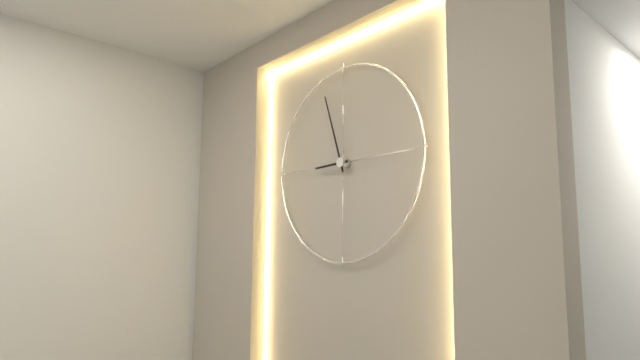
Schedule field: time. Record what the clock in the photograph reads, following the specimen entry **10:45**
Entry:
**8:57**
